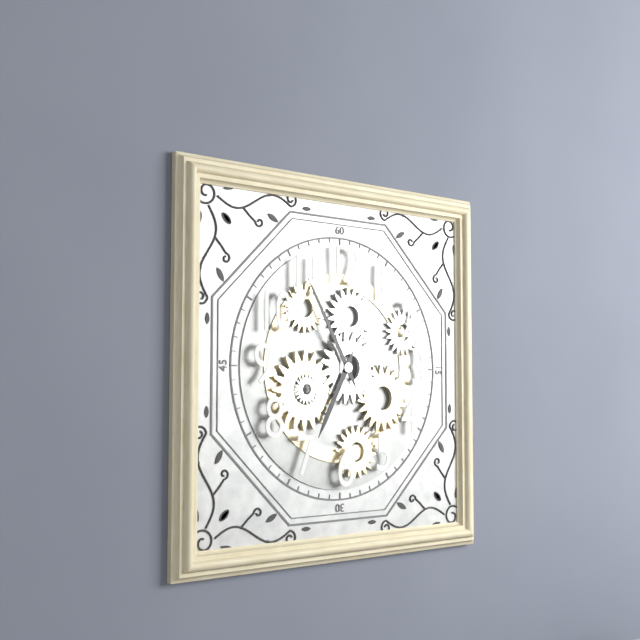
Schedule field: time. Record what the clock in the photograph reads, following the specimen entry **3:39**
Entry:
**6:55**
